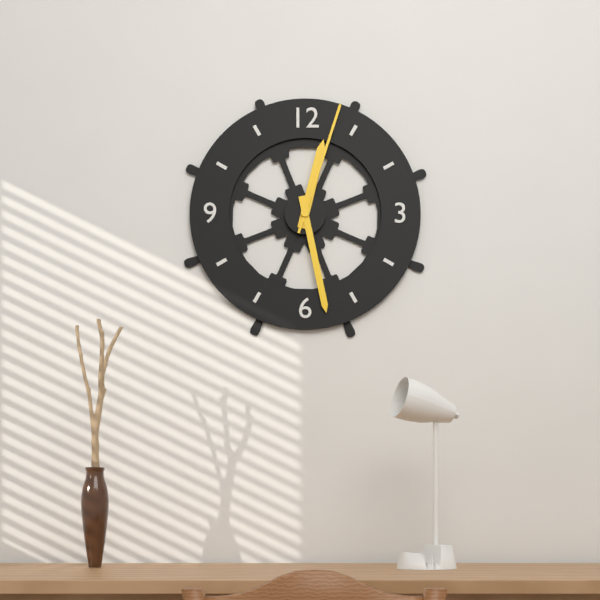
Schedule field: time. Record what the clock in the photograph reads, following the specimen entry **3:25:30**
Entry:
**12:28:03**
